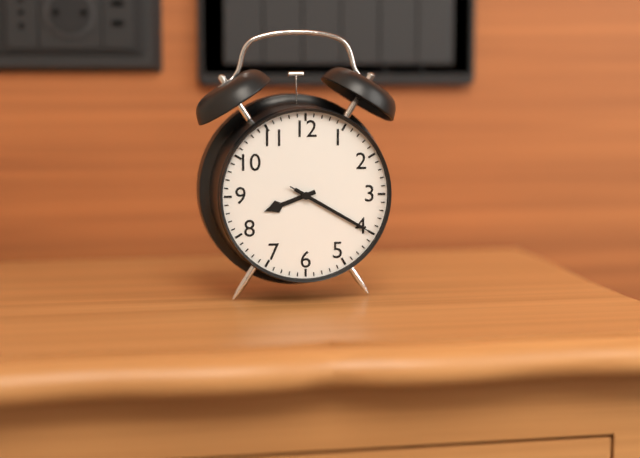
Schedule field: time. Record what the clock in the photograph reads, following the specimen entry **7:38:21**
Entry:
**8:20:20**
